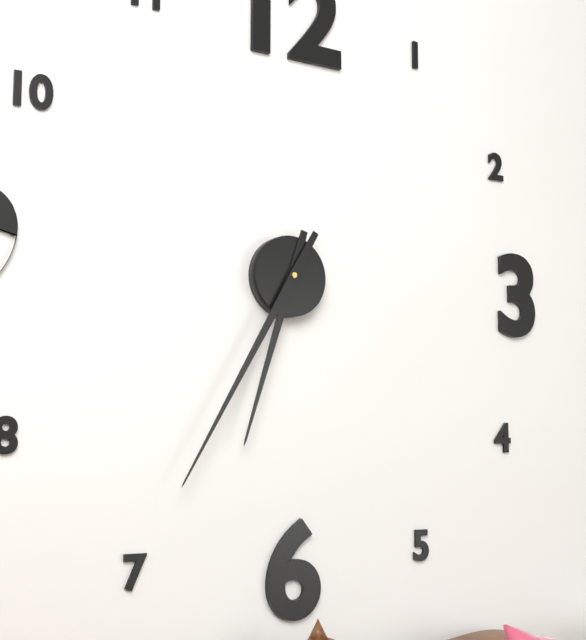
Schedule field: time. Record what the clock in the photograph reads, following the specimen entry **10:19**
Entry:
**6:35**
